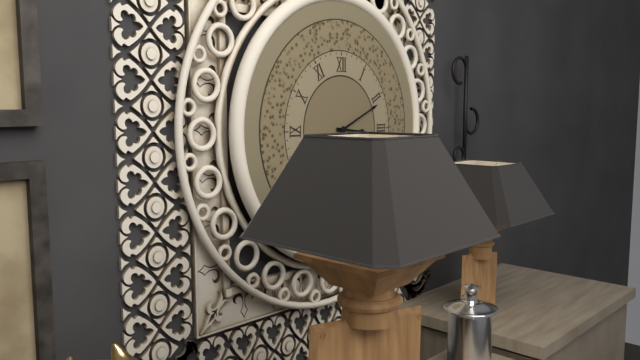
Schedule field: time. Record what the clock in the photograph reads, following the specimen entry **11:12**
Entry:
**3:11**
